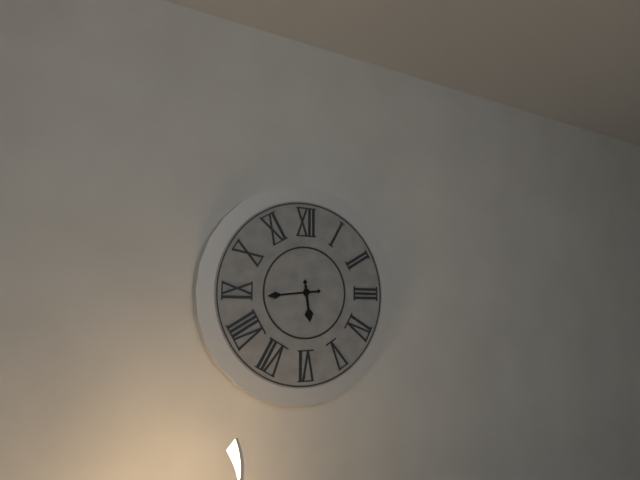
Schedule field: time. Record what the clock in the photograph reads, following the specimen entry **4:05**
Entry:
**5:44**
